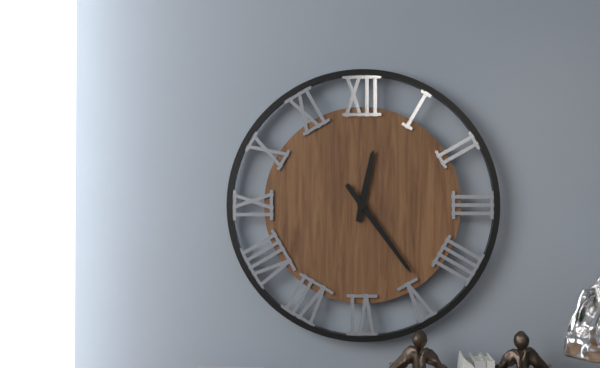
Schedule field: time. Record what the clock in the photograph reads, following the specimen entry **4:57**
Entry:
**12:24**
